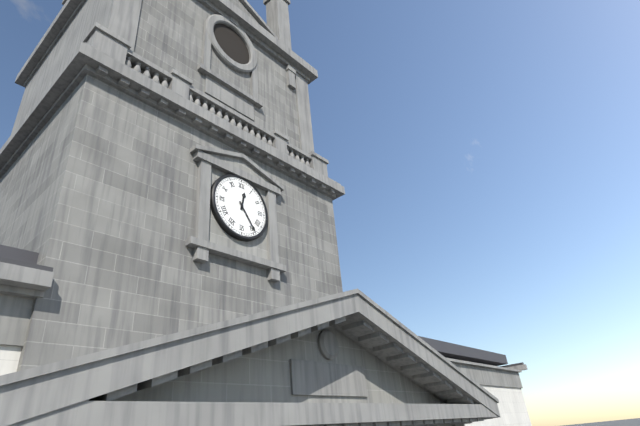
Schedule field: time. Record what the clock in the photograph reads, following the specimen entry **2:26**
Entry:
**12:24**
